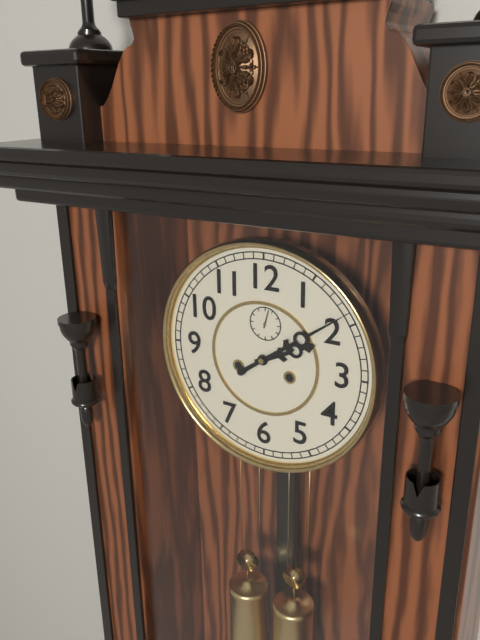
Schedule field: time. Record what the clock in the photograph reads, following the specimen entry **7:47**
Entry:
**2:09**
